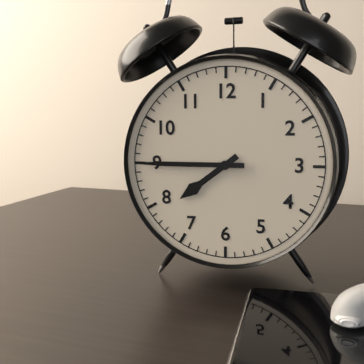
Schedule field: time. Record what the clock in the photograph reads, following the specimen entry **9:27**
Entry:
**7:45**
